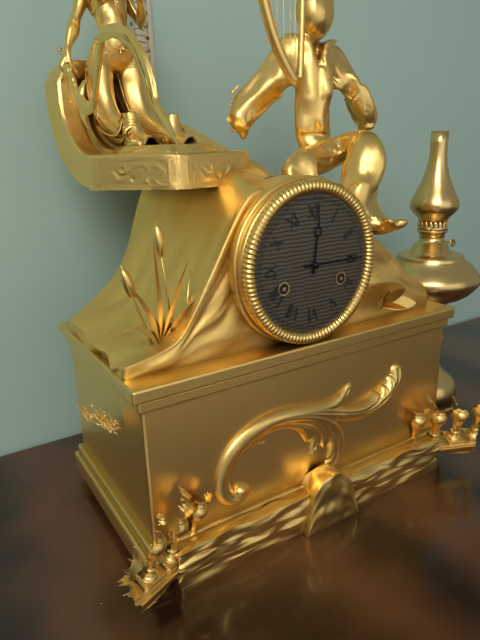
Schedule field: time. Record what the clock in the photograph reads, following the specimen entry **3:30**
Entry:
**12:15**
